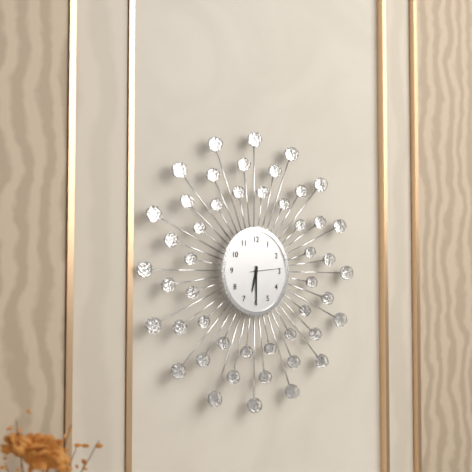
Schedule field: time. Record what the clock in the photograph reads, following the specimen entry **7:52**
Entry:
**6:30**
